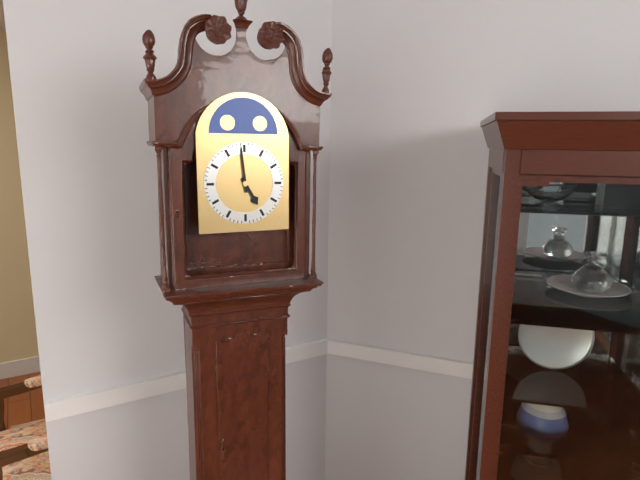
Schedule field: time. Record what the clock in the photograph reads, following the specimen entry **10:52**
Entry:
**4:59**
